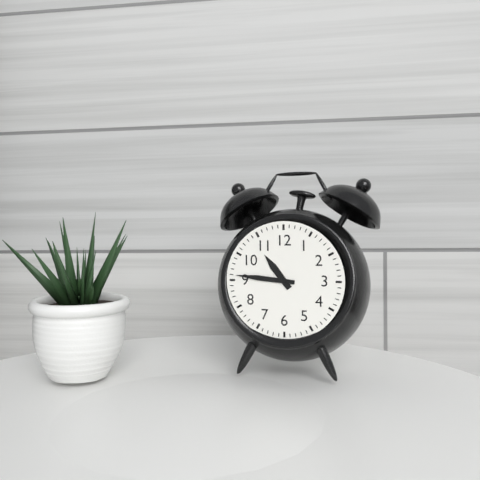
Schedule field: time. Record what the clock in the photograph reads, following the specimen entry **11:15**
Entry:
**10:46**
